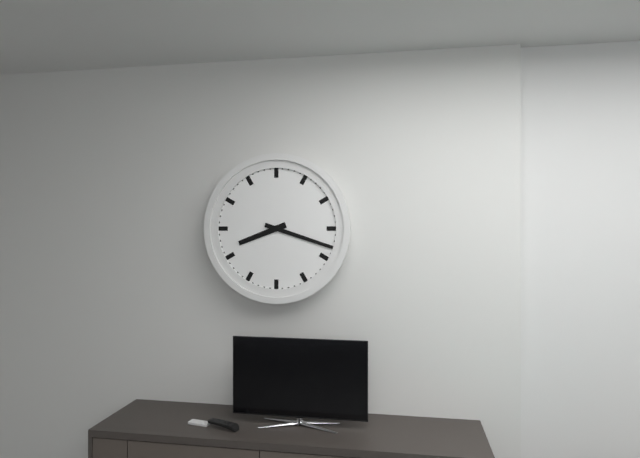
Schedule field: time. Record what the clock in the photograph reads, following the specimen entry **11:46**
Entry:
**8:18**
